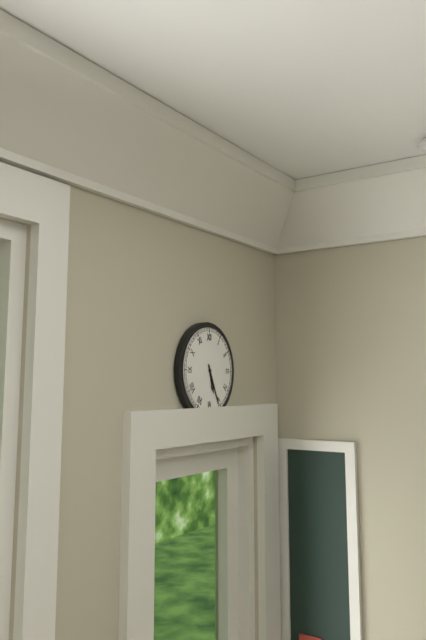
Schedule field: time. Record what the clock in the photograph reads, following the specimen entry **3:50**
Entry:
**5:26**
